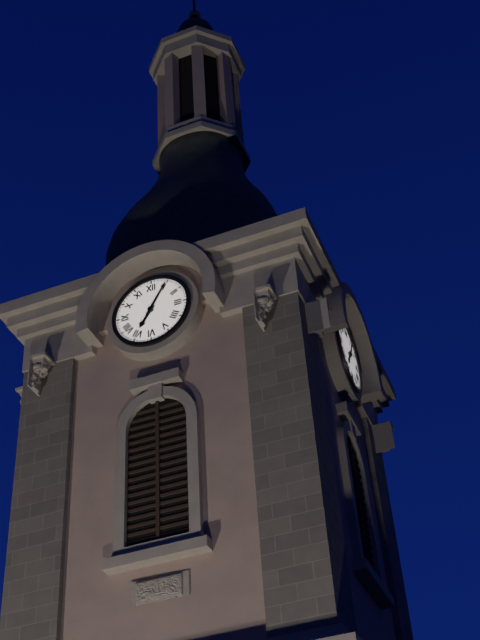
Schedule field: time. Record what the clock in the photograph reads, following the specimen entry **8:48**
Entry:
**7:05**
